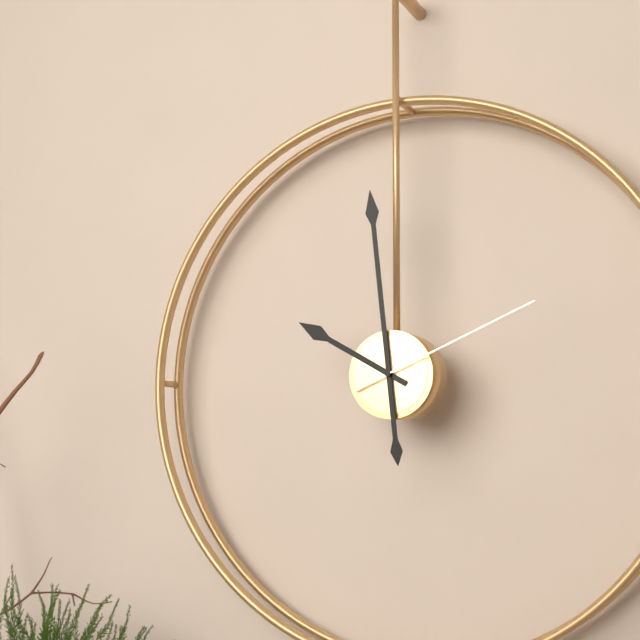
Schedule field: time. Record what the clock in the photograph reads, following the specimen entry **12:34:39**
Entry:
**9:59:11**
